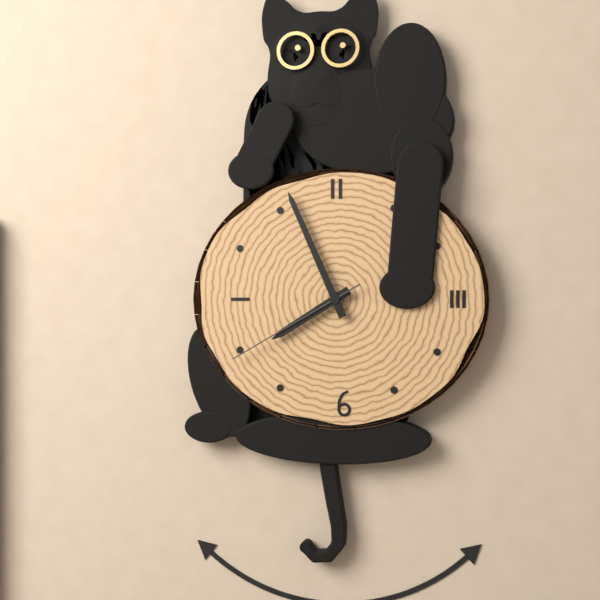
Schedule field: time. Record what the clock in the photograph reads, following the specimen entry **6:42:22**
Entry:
**7:56:40**
